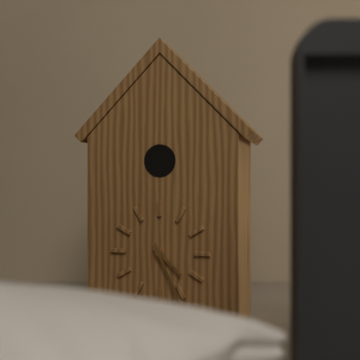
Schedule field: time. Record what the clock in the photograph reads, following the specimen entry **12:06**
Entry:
**4:26**
